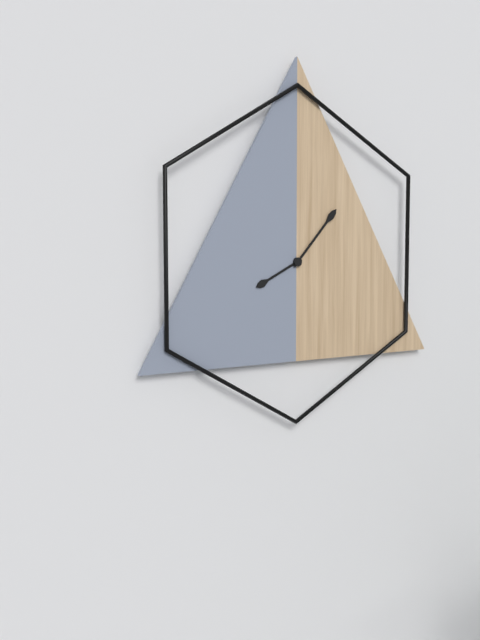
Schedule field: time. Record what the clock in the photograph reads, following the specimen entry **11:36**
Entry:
**8:07**
